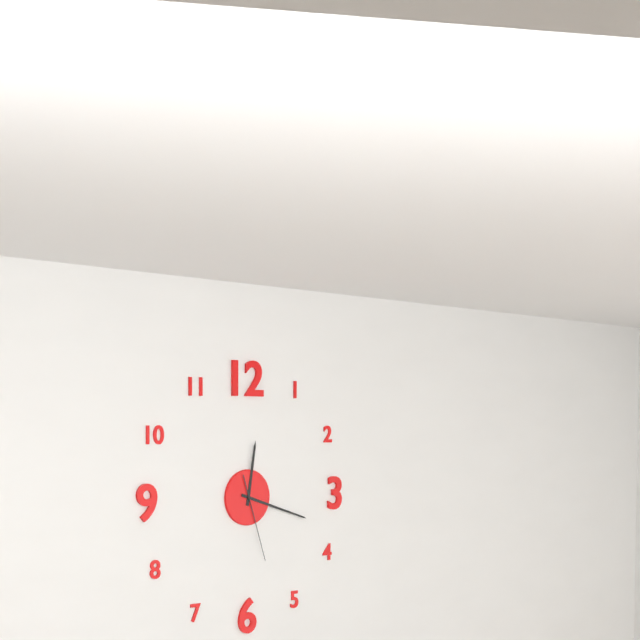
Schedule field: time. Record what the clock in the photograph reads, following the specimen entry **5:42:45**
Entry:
**12:18:27**
